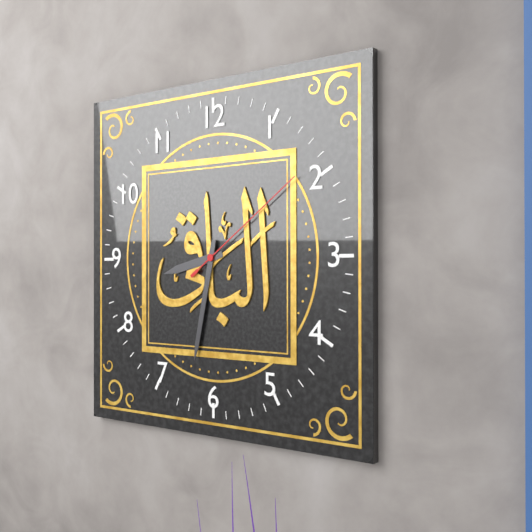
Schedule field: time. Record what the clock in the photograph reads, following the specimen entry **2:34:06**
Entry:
**8:32:09**
